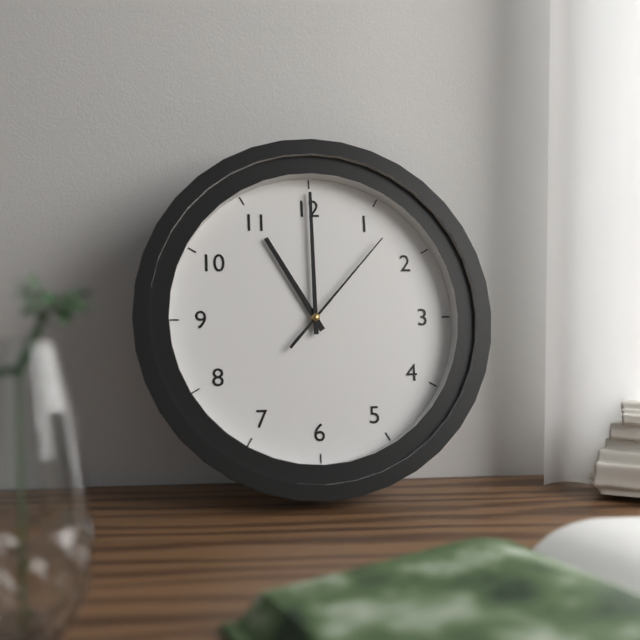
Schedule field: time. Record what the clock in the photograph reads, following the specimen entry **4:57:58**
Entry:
**11:00:07**
